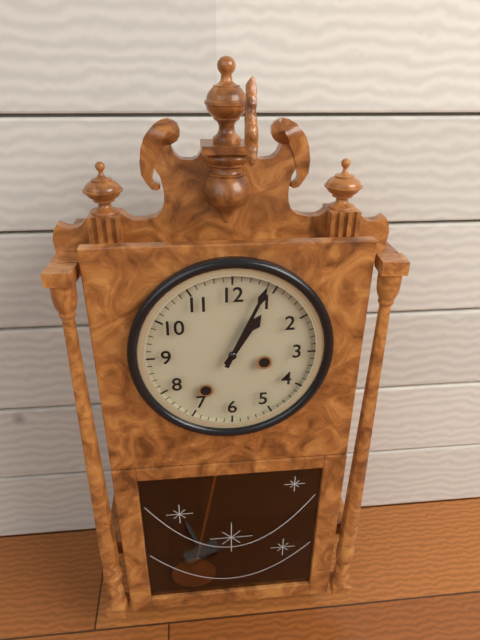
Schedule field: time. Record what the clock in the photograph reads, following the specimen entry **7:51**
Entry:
**1:04**
